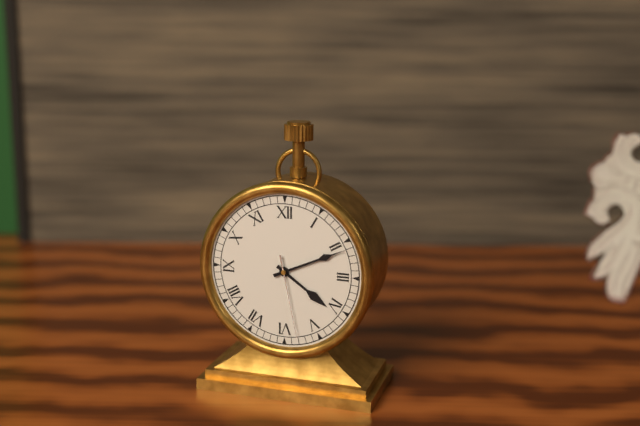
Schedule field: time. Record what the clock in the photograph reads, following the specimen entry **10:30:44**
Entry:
**4:11:28**
